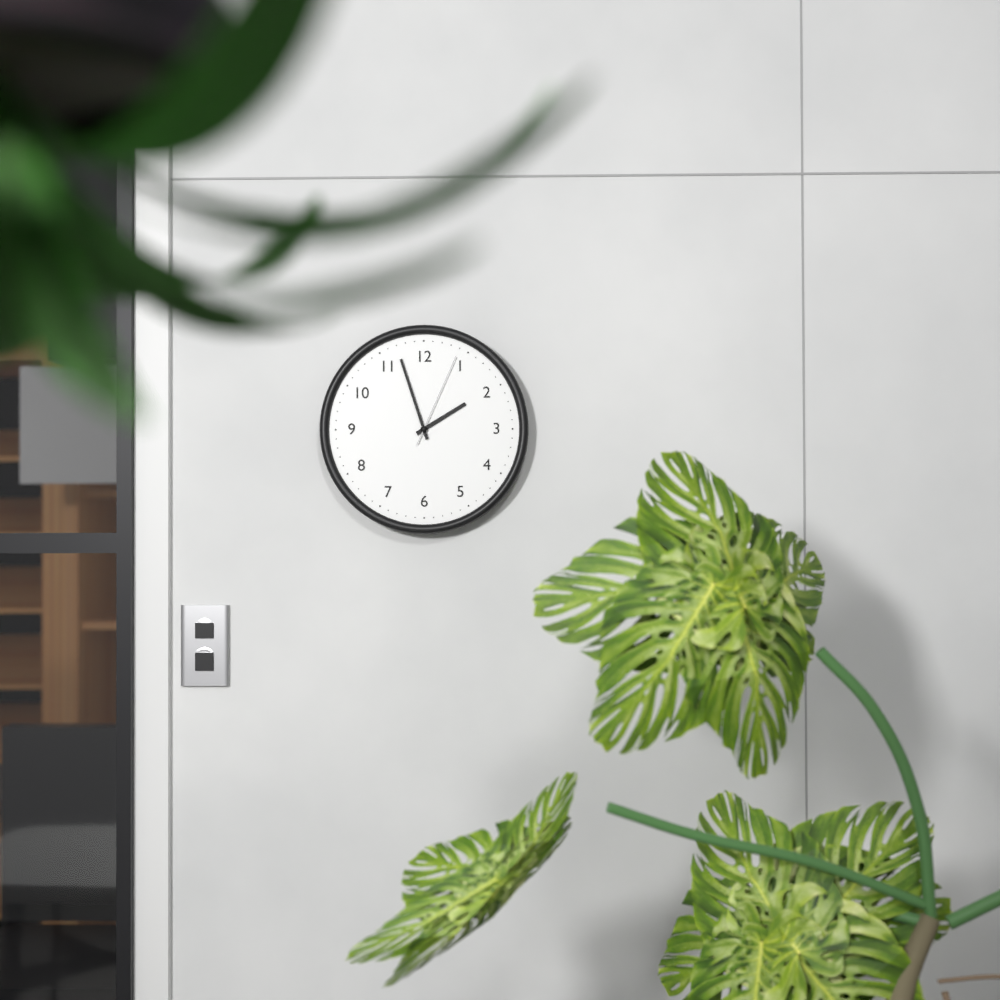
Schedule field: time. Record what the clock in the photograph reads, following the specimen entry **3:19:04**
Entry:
**1:57:04**
